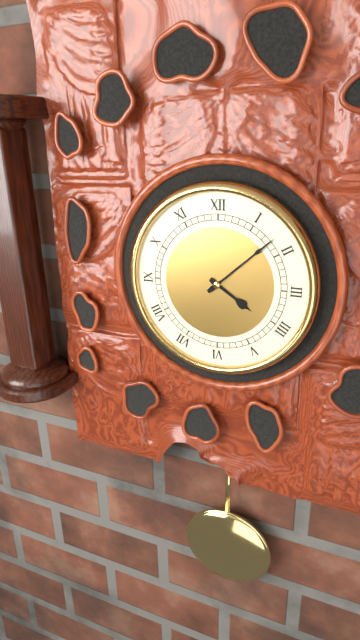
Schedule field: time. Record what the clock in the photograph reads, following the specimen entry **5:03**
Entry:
**4:08**
